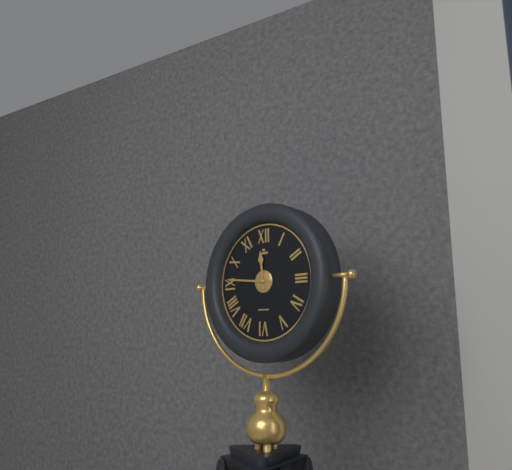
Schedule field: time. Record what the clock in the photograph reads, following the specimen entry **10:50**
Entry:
**11:46**
